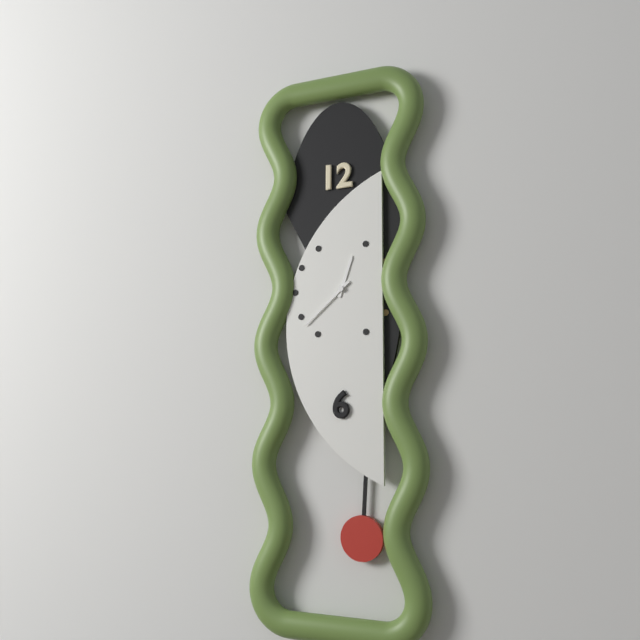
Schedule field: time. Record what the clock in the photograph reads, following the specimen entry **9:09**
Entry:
**12:38**
